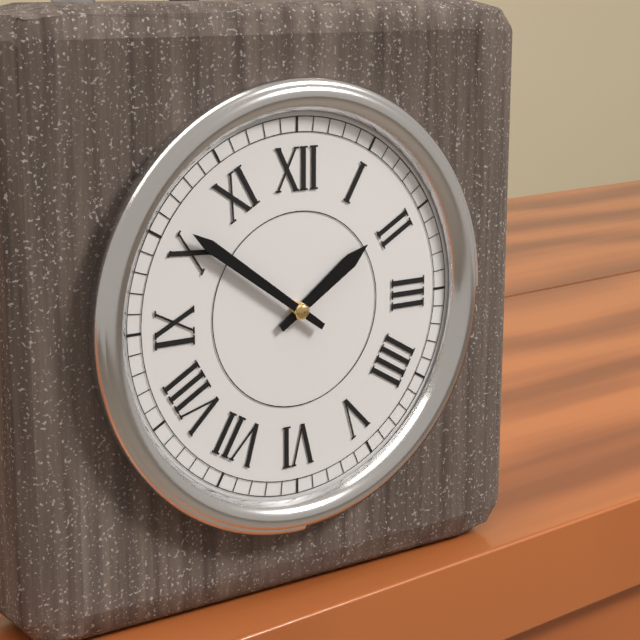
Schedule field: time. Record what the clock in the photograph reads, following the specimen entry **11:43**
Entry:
**1:51**
